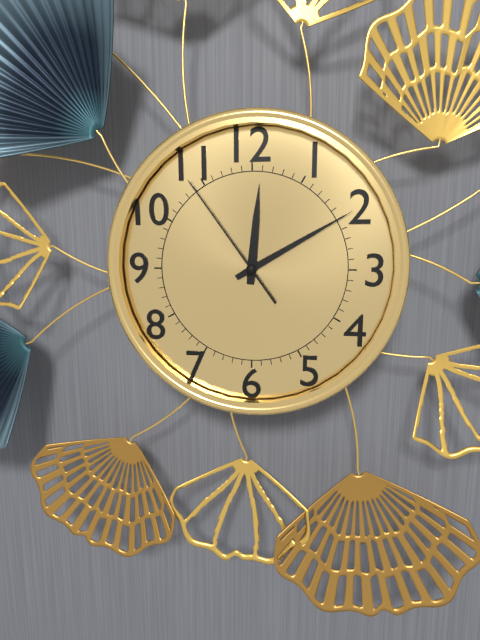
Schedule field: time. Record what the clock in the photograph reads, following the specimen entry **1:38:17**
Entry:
**12:10:54**
